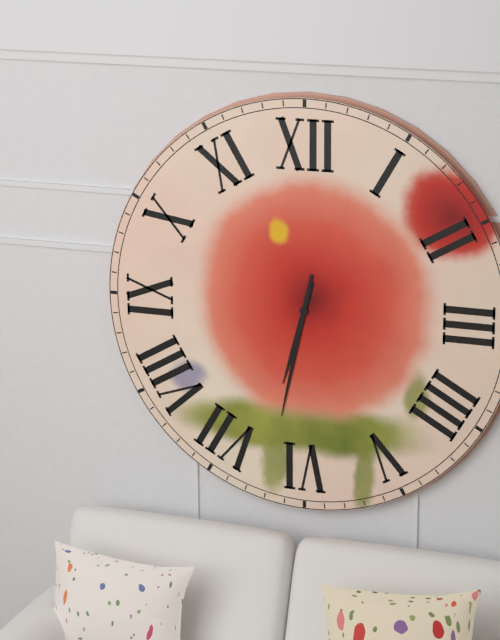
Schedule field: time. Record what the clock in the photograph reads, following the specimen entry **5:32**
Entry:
**6:32**
